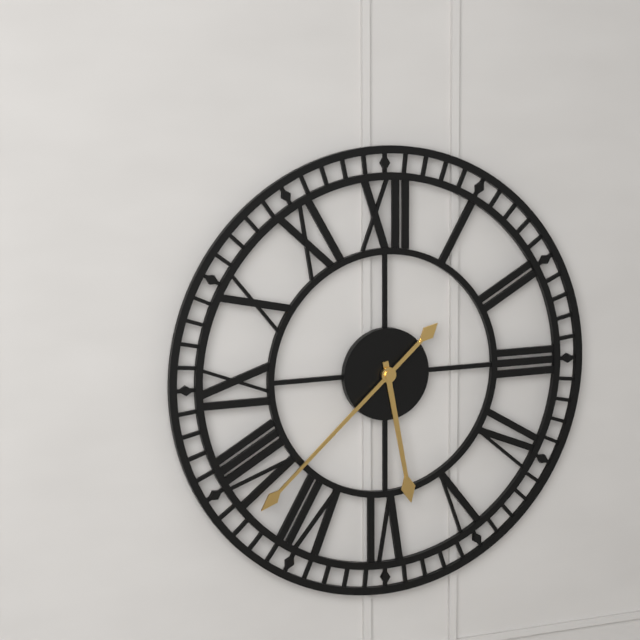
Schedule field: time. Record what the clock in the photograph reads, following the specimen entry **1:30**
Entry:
**5:38**
